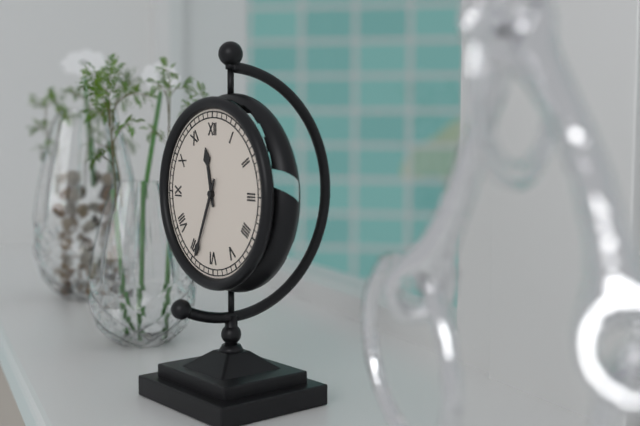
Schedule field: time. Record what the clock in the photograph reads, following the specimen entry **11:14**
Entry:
**11:34**
